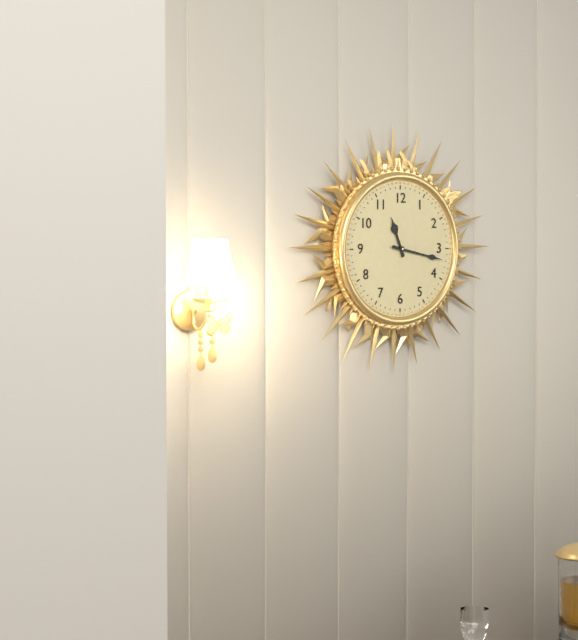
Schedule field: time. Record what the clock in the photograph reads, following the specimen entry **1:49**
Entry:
**11:17**
